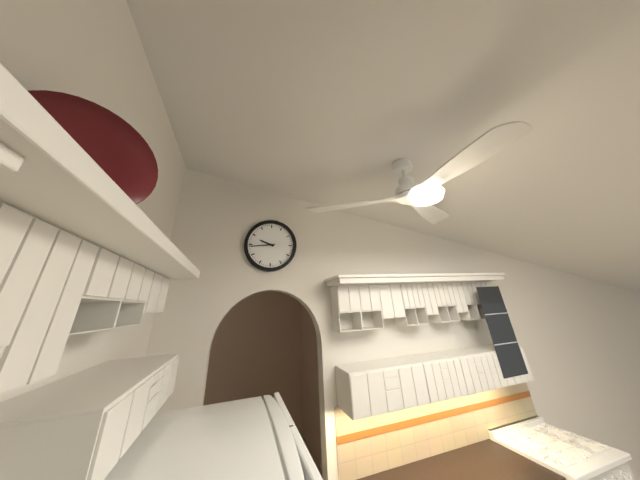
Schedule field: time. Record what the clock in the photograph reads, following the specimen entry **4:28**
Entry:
**9:44**
